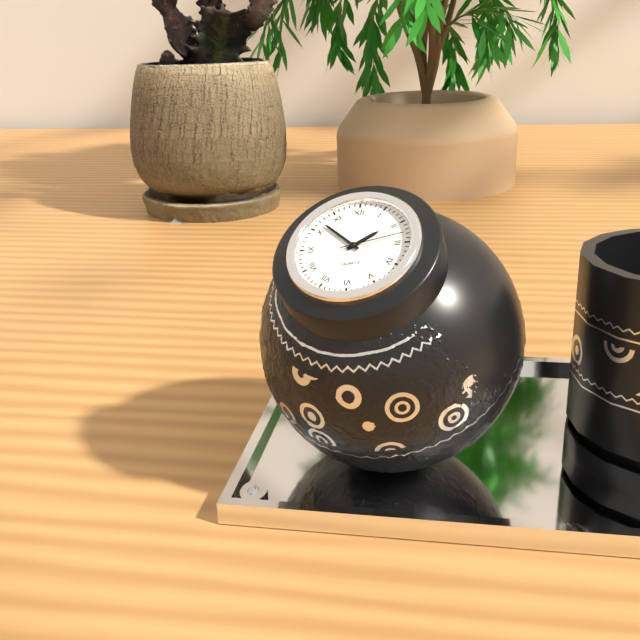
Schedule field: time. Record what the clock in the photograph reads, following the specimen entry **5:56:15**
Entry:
**1:52:13**
